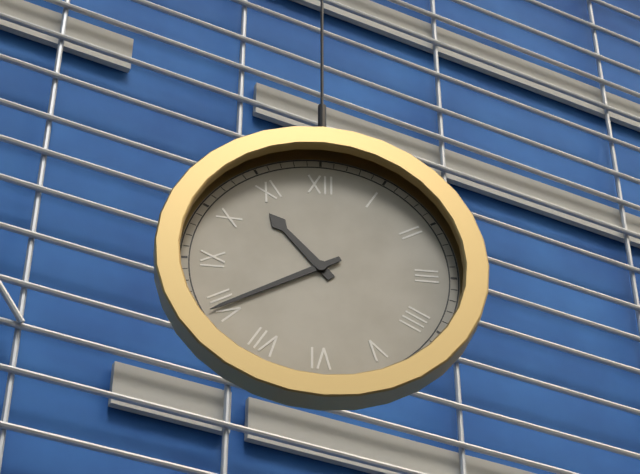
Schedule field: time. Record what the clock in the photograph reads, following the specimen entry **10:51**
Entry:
**10:40**
